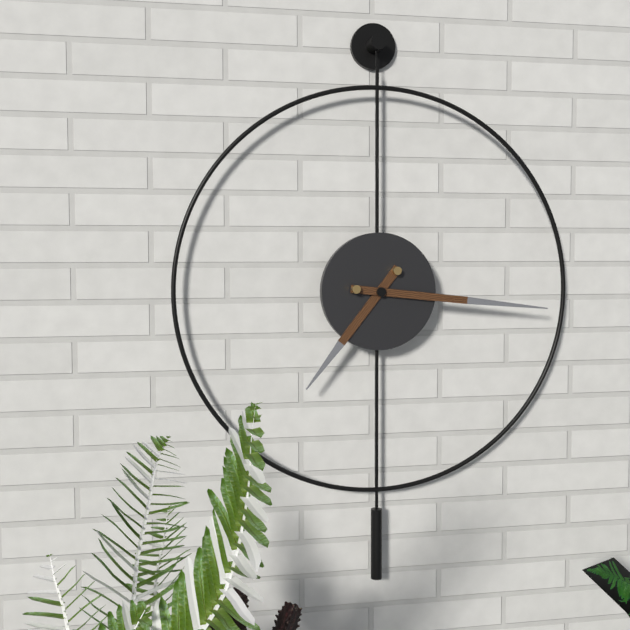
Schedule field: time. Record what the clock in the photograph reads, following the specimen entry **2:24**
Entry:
**7:16**
